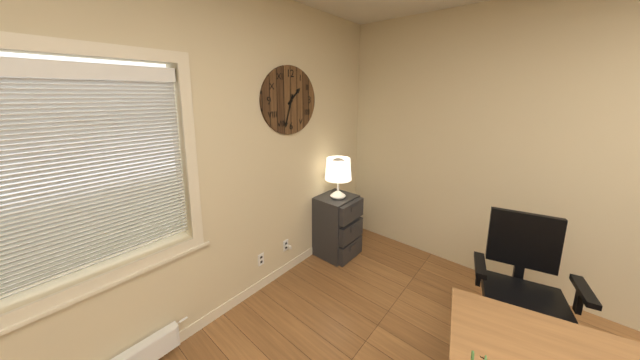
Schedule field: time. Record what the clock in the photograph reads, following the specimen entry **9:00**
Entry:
**1:33**
